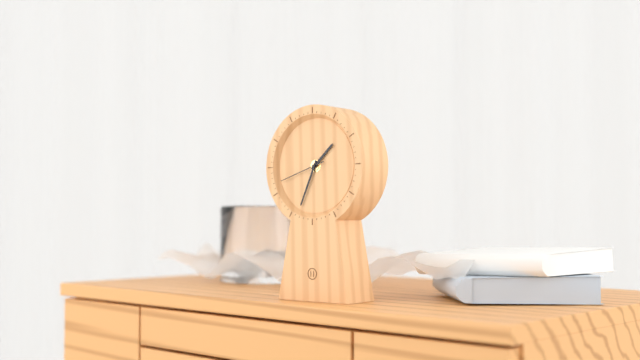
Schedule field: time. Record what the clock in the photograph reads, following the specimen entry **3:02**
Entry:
**1:34**
